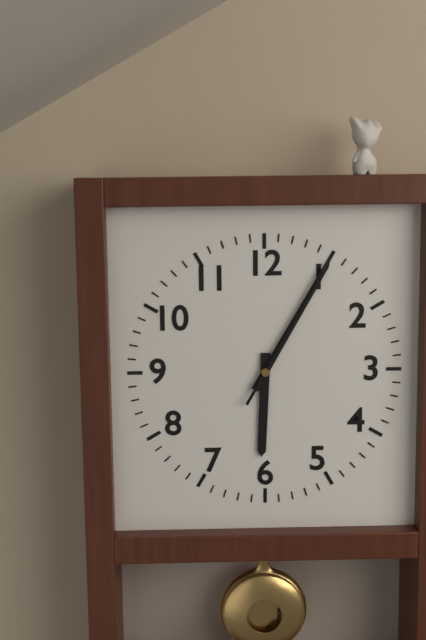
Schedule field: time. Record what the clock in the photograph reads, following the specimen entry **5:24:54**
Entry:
**6:05:05**
